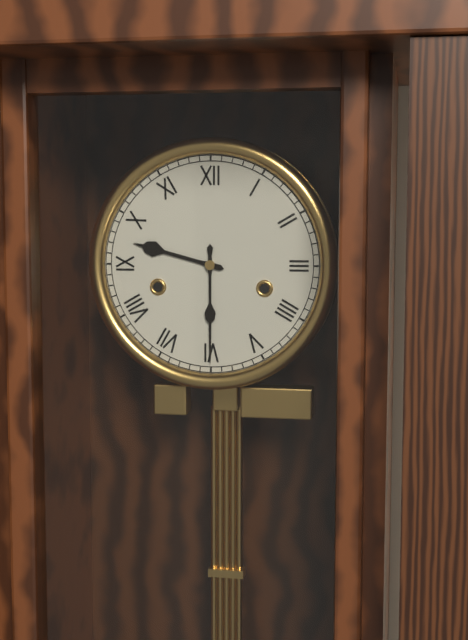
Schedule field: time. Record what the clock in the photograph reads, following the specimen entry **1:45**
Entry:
**9:30**
